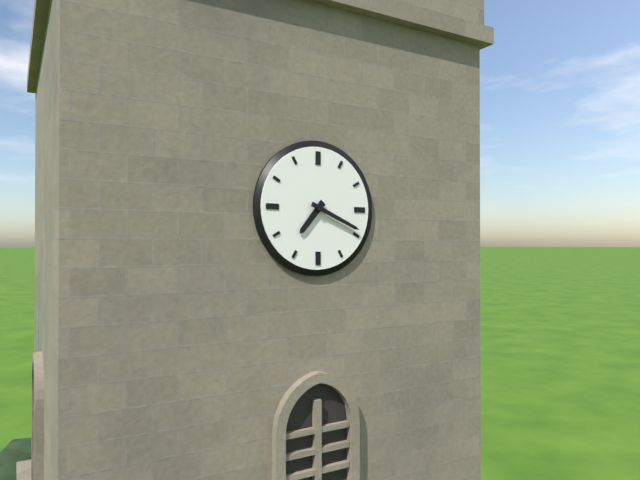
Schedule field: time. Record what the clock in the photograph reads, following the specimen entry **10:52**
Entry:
**7:19**
